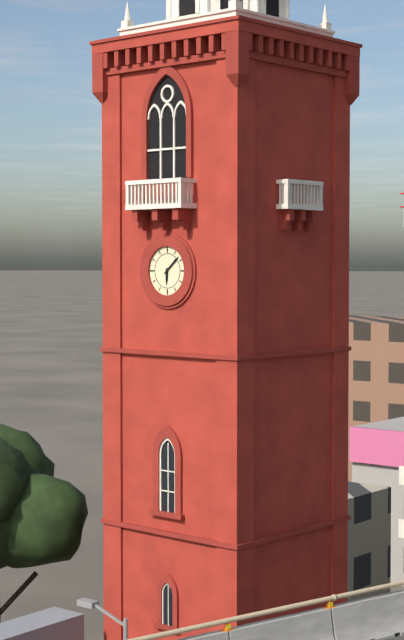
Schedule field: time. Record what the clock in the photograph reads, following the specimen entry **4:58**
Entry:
**6:08**
